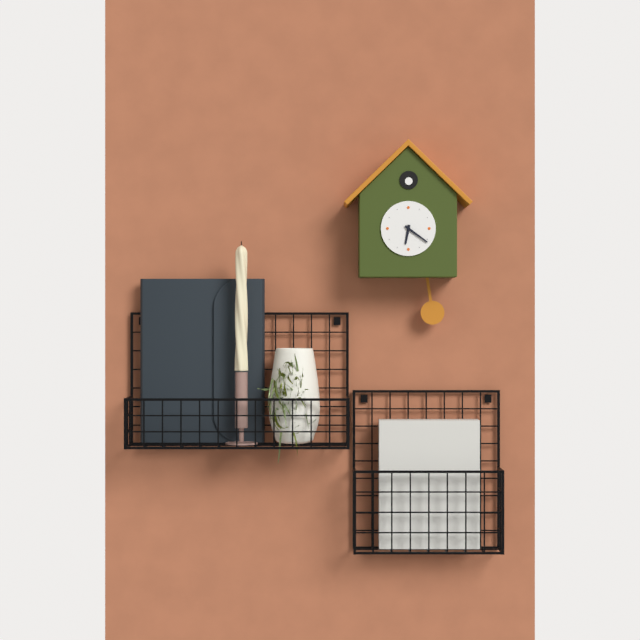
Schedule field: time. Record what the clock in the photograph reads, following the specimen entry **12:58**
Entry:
**6:21**
